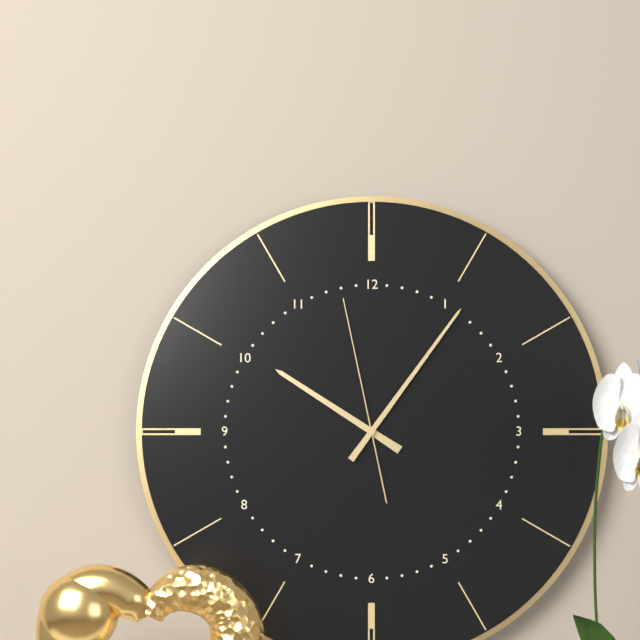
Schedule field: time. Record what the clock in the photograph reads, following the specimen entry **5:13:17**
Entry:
**10:06:58**
